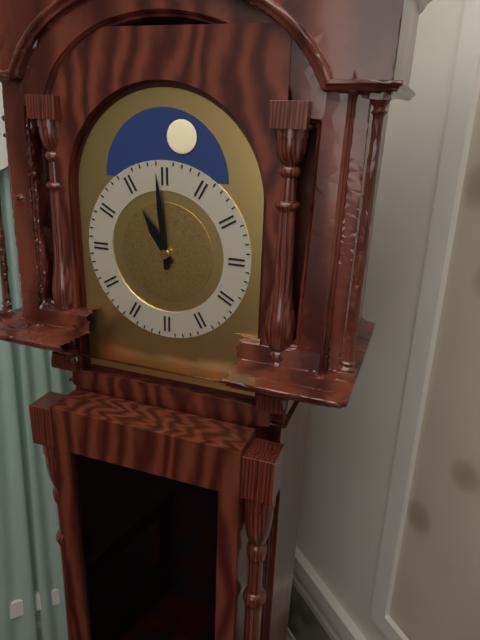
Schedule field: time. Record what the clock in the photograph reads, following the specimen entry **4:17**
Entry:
**10:59**
